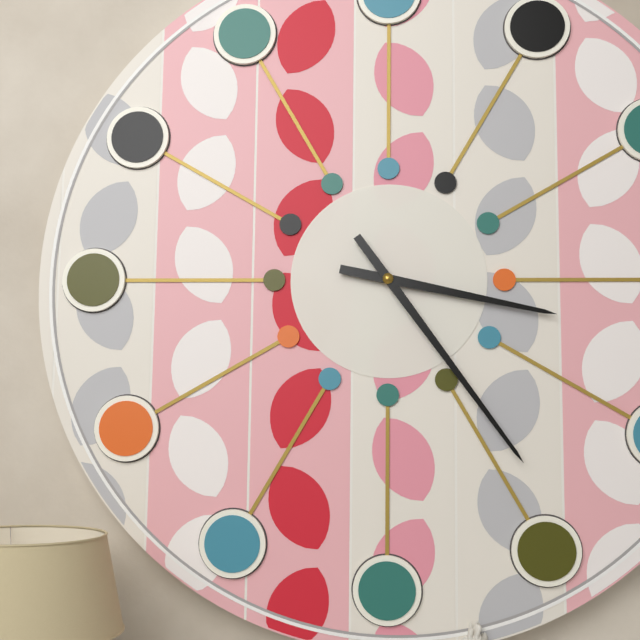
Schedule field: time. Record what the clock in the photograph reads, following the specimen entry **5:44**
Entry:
**3:24**
